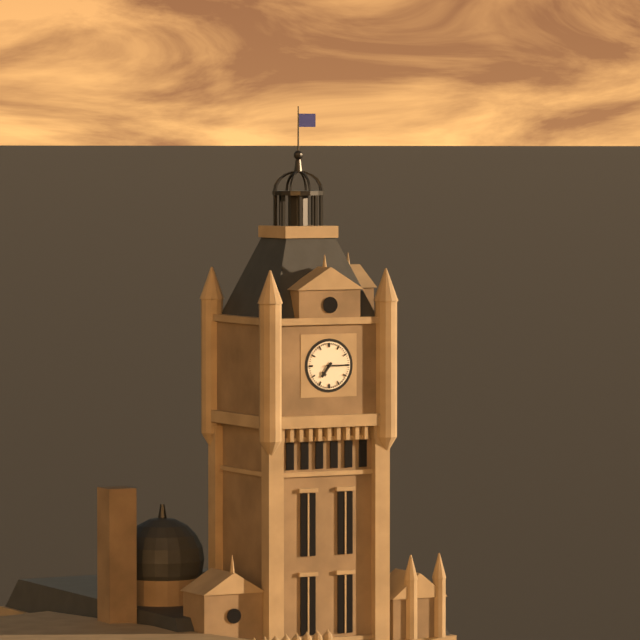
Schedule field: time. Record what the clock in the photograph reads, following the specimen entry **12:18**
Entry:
**7:15**
